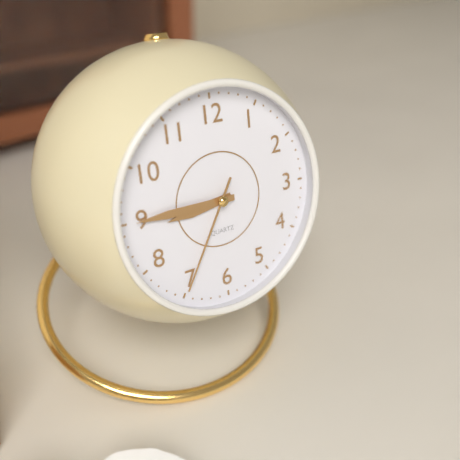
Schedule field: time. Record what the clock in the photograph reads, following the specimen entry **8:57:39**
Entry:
**8:45:35**
